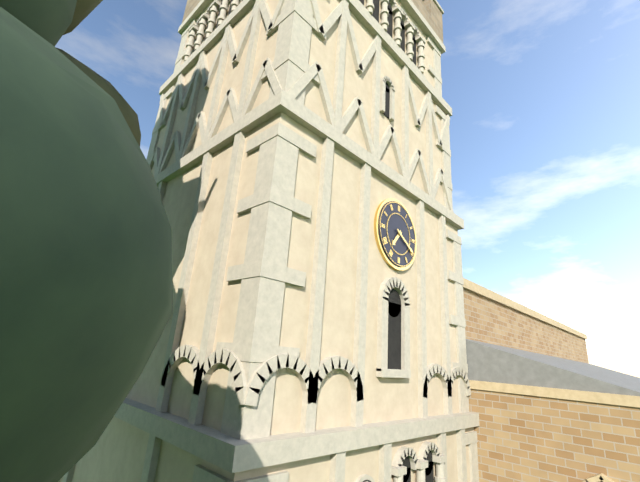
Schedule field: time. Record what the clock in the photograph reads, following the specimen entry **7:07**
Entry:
**7:20**
